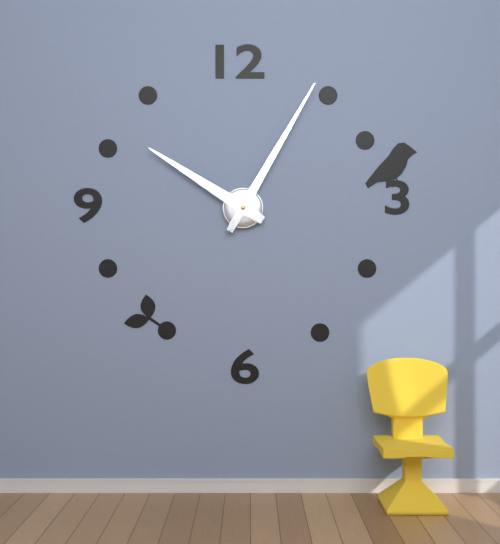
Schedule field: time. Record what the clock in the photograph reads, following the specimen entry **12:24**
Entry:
**10:05**
